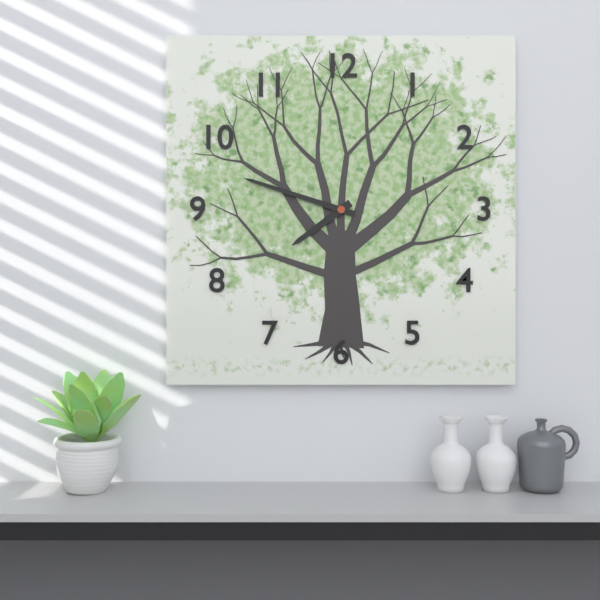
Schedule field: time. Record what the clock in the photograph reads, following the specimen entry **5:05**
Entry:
**7:48**
